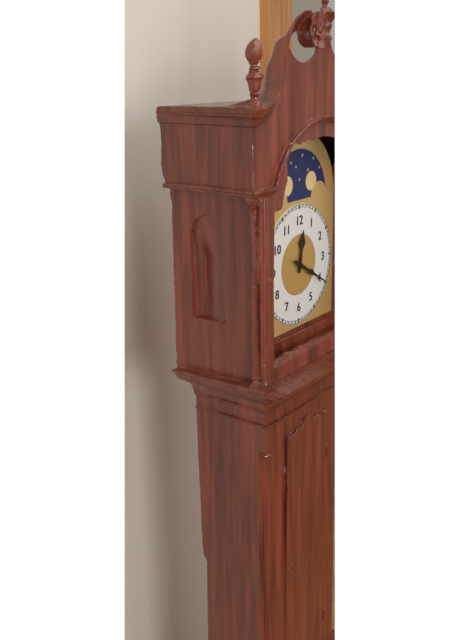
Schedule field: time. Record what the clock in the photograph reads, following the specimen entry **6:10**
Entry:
**12:20**
